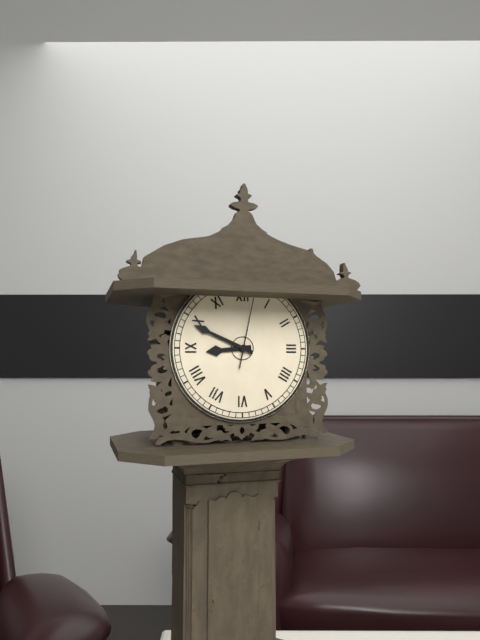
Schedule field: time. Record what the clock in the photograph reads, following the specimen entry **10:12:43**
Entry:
**8:49:02**
